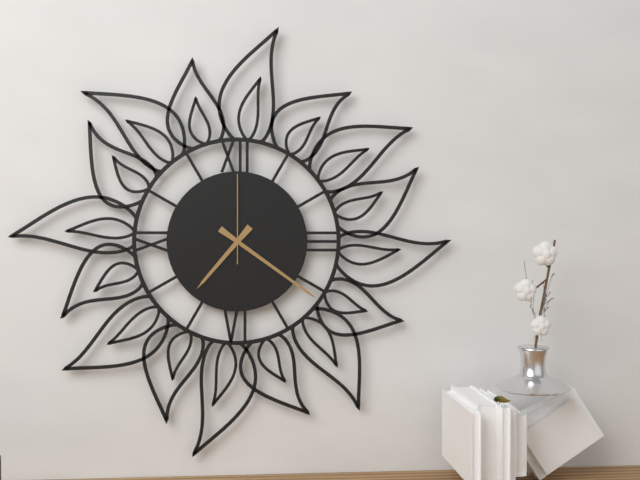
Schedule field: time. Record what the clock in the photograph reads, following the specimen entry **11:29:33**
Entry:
**7:21:00**
